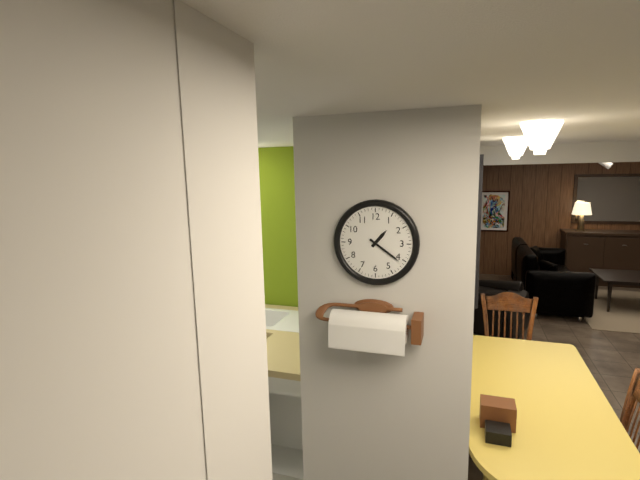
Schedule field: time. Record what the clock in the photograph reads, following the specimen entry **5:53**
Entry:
**1:21**
